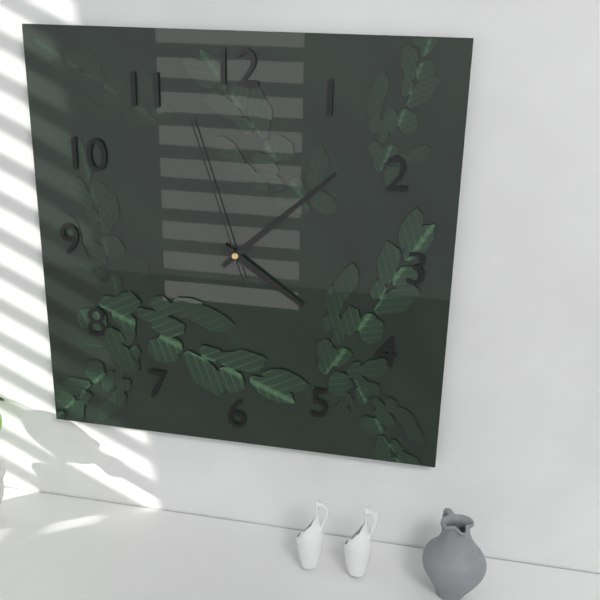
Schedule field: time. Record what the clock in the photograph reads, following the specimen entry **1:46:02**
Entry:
**4:08:57**
